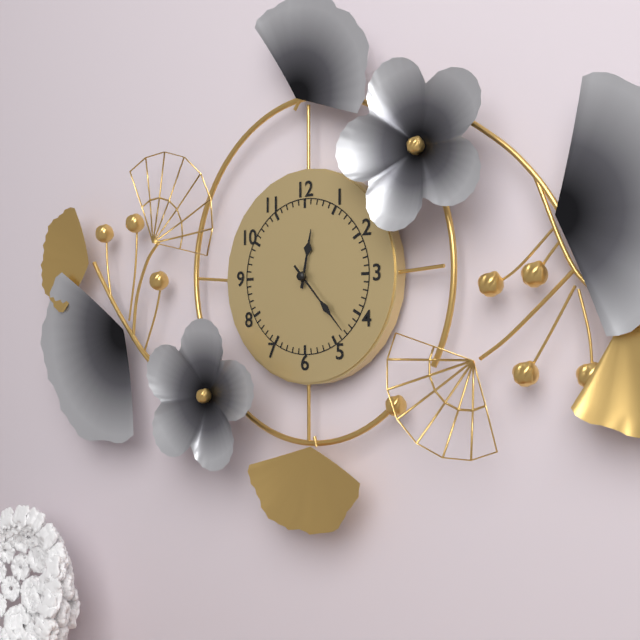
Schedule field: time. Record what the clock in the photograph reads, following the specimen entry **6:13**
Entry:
**12:23**
